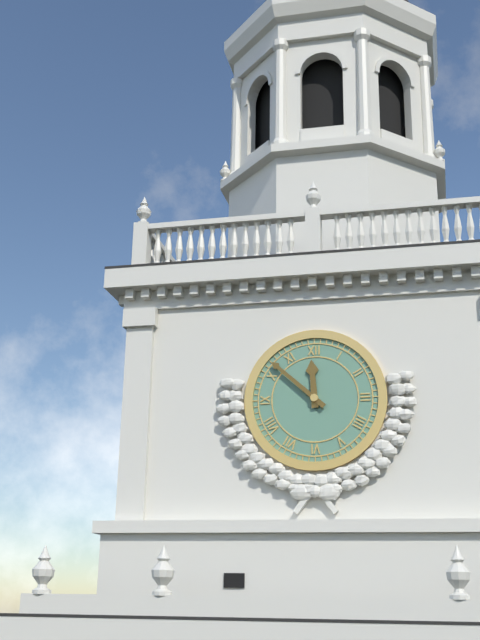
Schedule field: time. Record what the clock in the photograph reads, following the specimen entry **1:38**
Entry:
**11:52**
